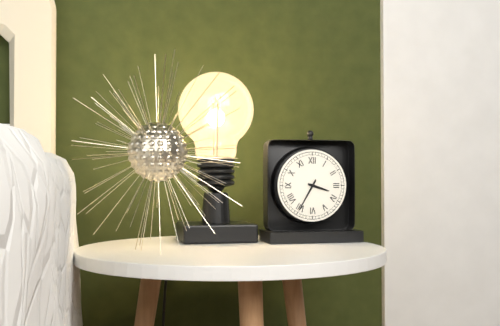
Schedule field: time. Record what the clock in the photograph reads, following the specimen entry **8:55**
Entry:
**3:35**
